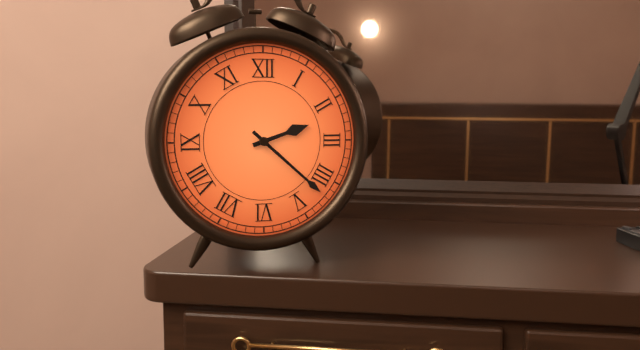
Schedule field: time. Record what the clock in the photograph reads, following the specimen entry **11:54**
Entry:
**2:22**
